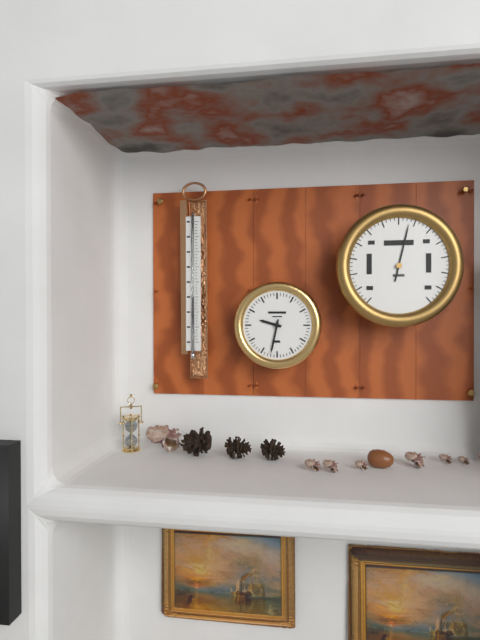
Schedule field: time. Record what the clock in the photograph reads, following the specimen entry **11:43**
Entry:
**9:32**
